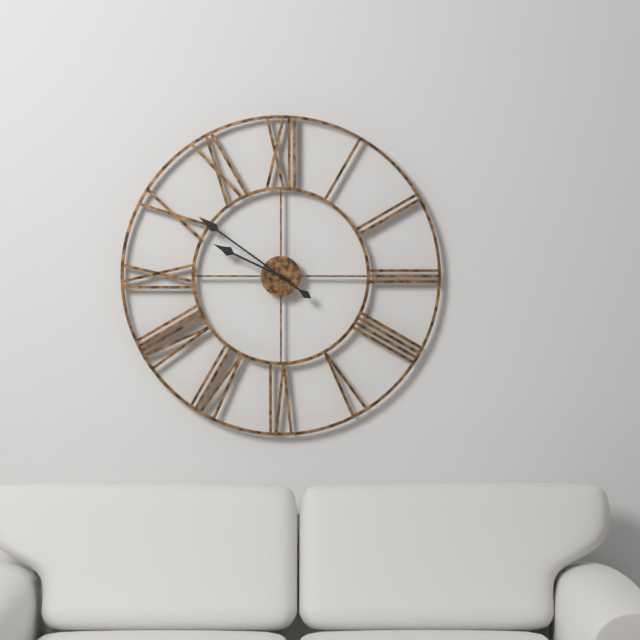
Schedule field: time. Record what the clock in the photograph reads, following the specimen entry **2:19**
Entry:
**9:51**
